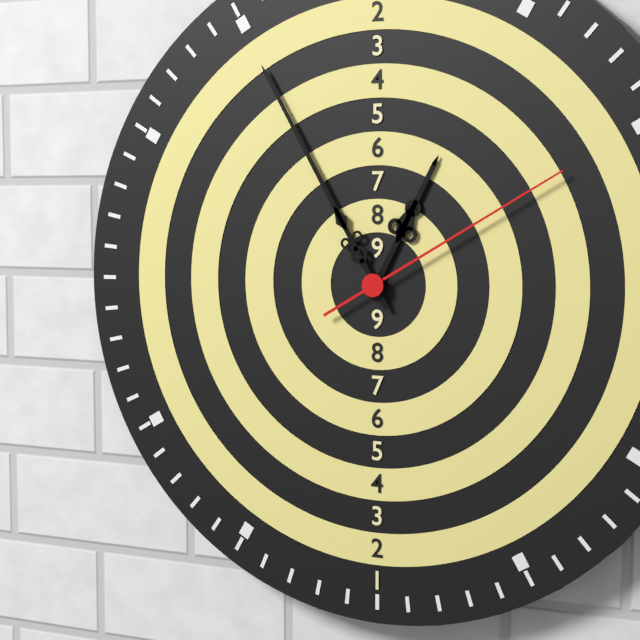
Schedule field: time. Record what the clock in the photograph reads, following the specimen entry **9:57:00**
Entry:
**12:55:10**
